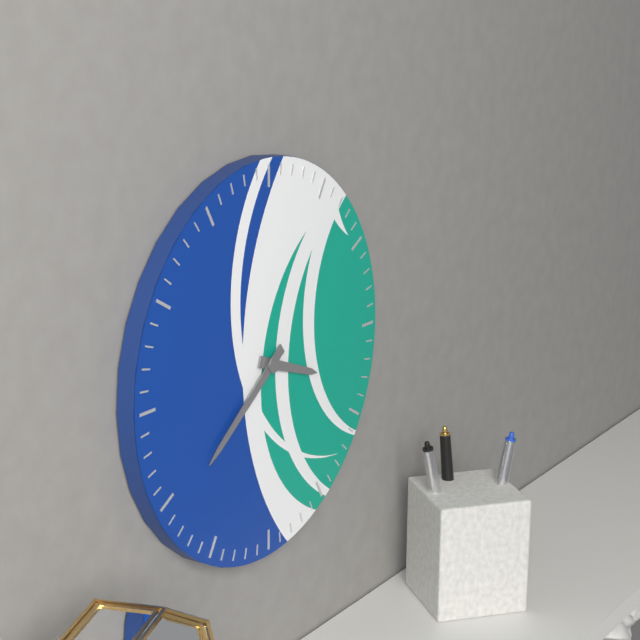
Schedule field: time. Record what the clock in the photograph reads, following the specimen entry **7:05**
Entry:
**3:39**
